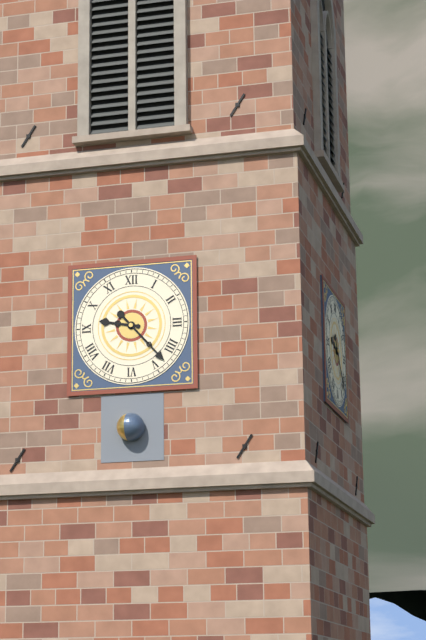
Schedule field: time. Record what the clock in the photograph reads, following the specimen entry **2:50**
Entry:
**9:23**
